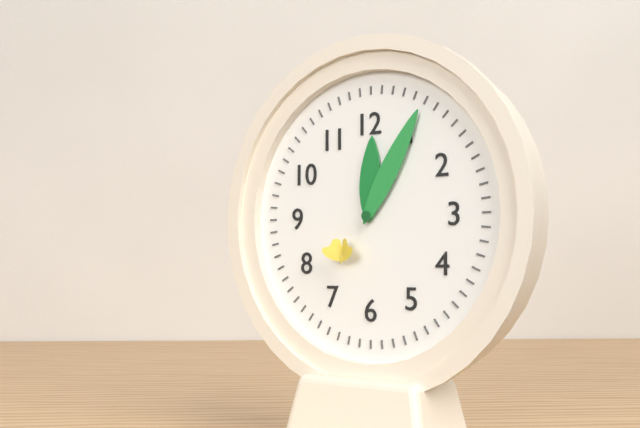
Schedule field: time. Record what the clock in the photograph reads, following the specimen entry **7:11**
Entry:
**12:05**
